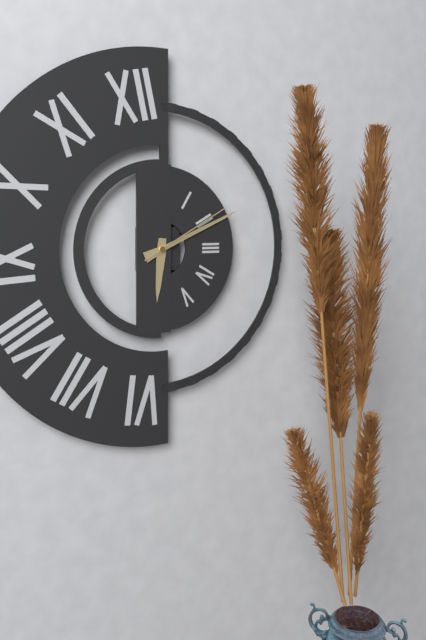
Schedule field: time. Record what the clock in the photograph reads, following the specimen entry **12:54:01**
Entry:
**6:11:10**
